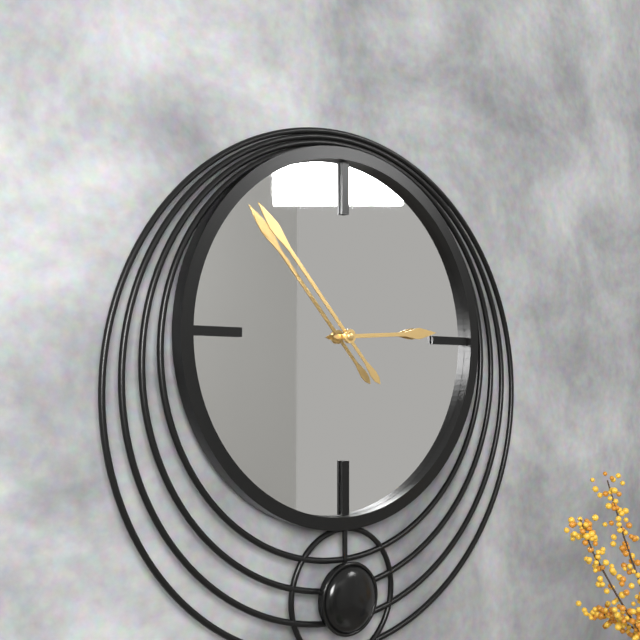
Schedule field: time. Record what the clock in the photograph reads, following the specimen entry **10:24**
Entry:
**2:53**
